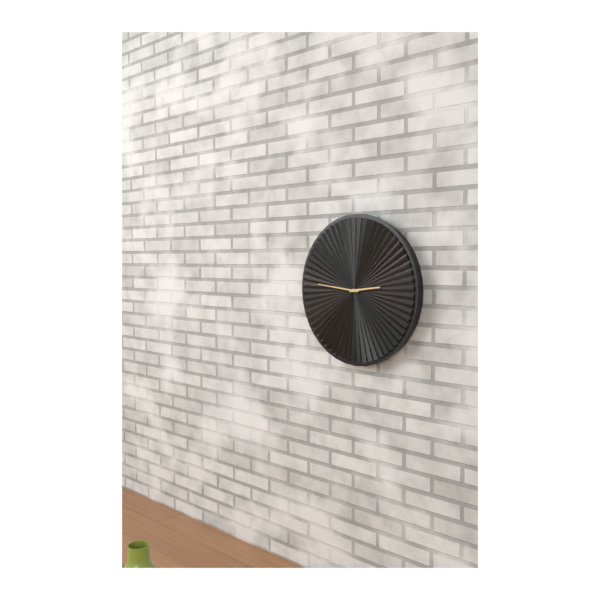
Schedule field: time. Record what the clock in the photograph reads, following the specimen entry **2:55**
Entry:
**2:46**
